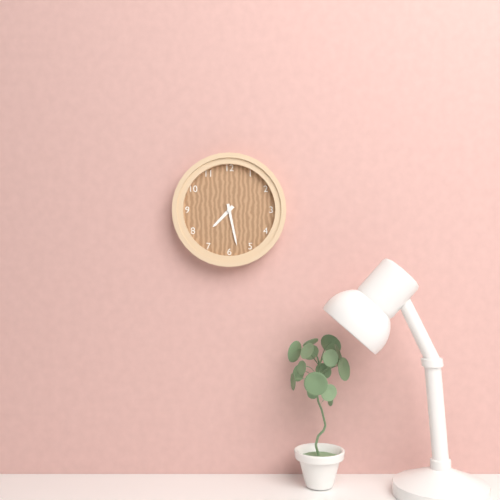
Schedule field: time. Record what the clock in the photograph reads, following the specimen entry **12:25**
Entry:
**7:28**
